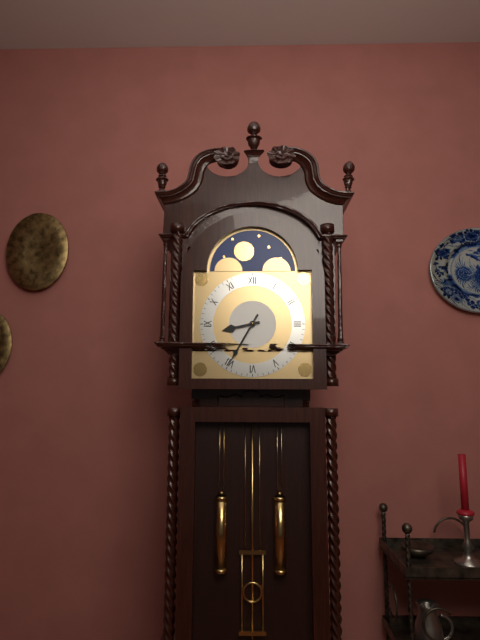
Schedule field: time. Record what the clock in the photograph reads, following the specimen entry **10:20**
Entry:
**8:35**
